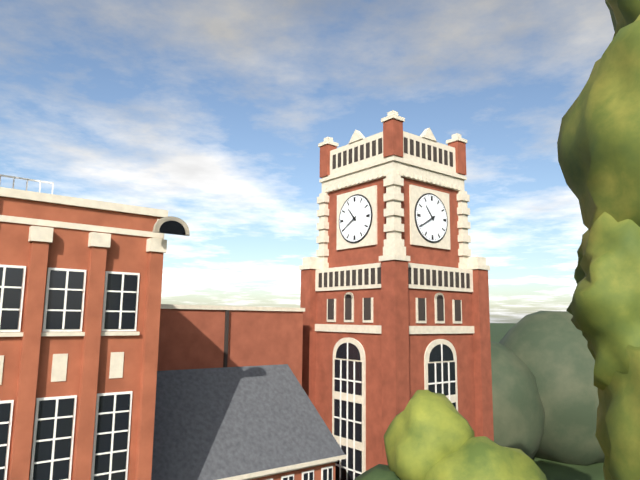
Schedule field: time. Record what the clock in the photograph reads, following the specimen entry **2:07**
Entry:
**10:40**
